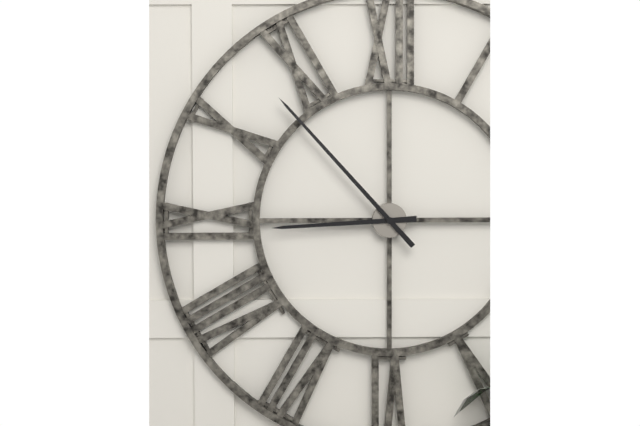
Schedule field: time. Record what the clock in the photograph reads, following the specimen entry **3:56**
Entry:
**8:53**
